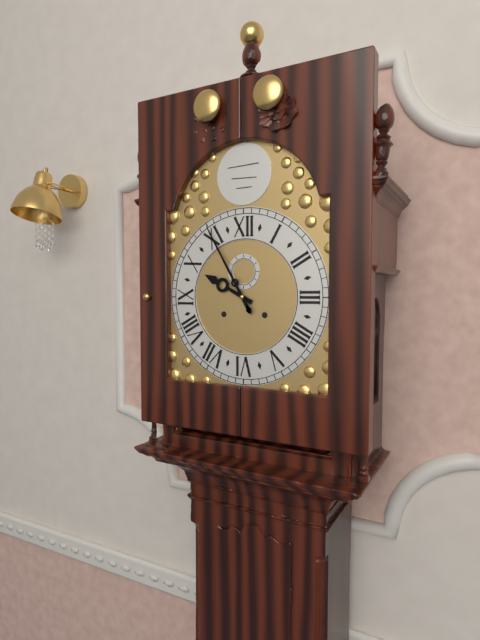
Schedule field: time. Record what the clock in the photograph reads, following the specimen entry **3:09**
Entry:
**9:55**
